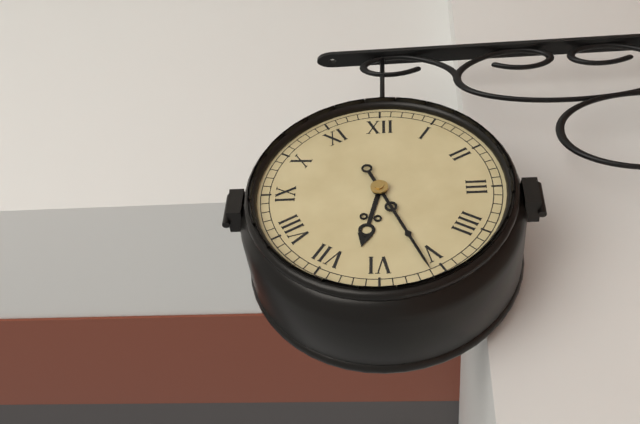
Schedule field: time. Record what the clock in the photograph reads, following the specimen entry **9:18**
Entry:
**6:26**
